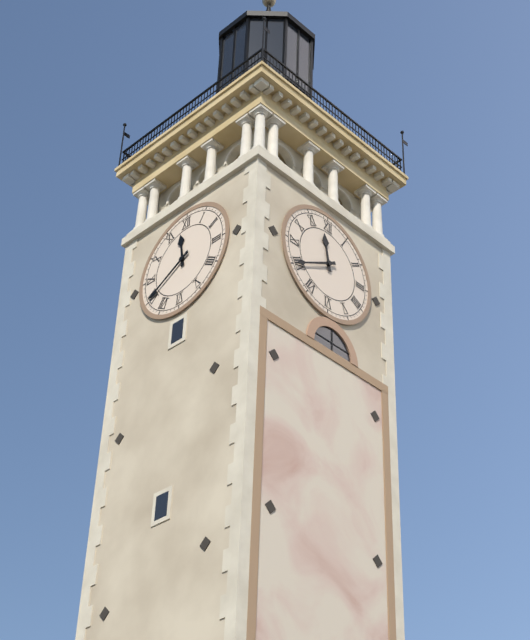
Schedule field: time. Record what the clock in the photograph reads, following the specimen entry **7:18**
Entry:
**11:40**
